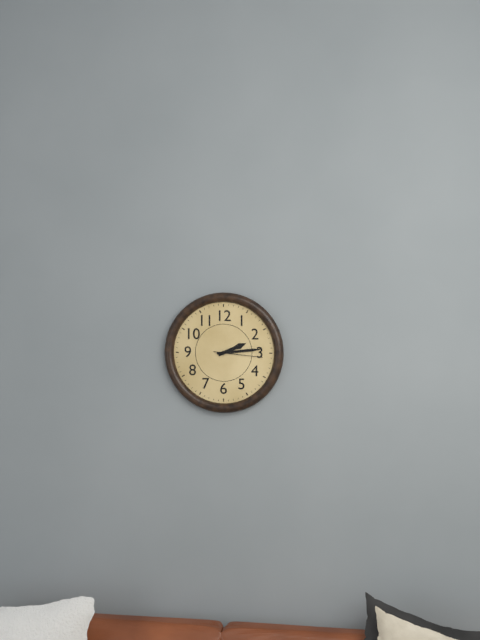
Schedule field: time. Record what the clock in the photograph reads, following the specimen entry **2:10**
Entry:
**2:14**
